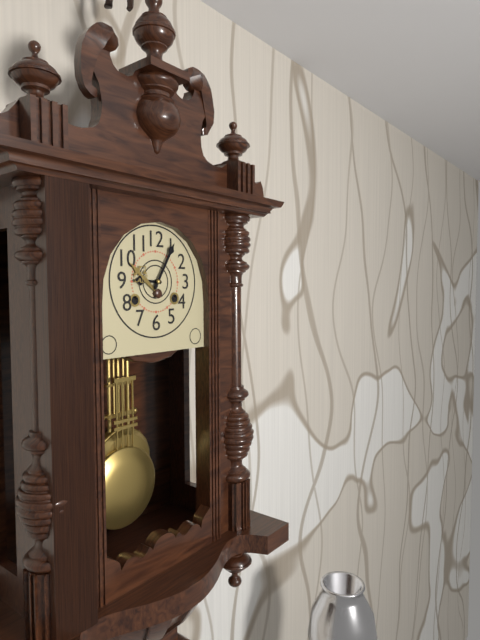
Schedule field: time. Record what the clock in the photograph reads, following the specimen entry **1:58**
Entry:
**9:05**
